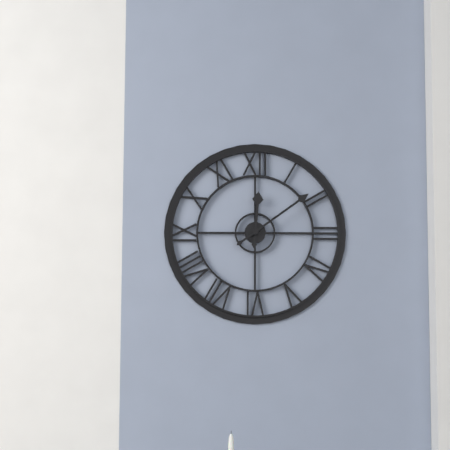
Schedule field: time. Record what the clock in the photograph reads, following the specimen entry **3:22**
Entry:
**12:09**
